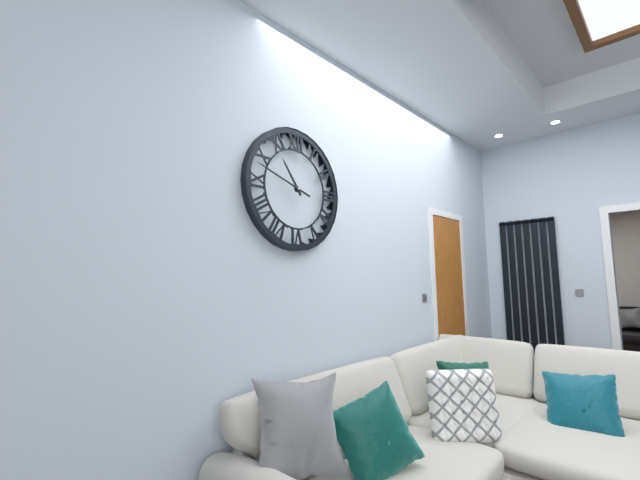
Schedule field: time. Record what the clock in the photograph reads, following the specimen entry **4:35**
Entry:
**10:48**
